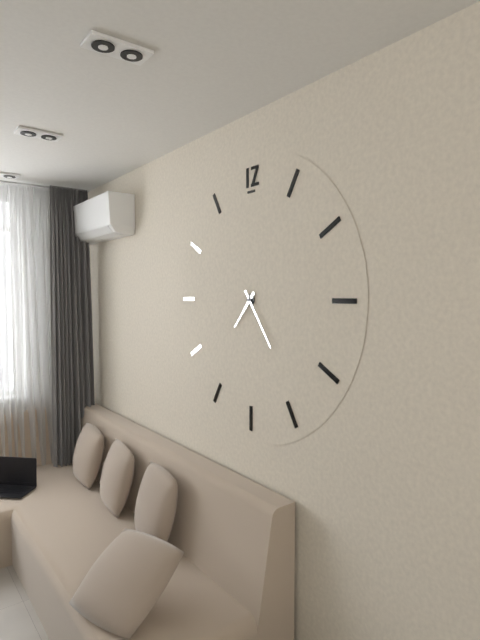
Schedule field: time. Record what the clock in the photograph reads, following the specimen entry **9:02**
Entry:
**7:24**
